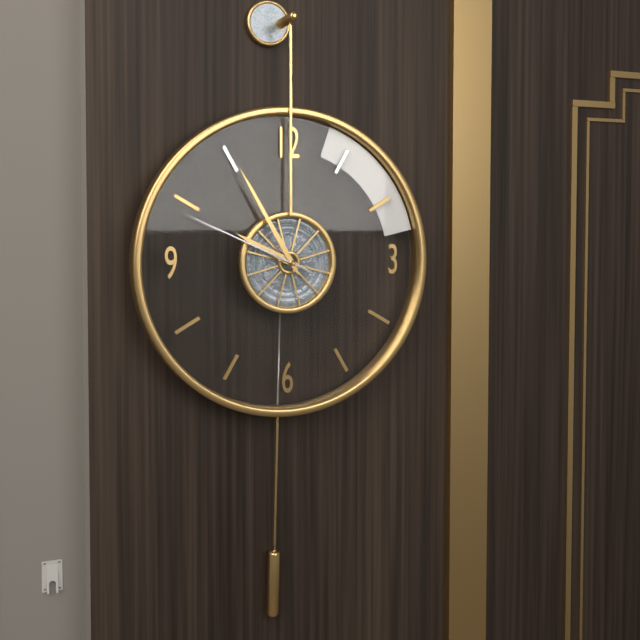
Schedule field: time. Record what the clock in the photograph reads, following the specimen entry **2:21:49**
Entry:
**9:55:49**
